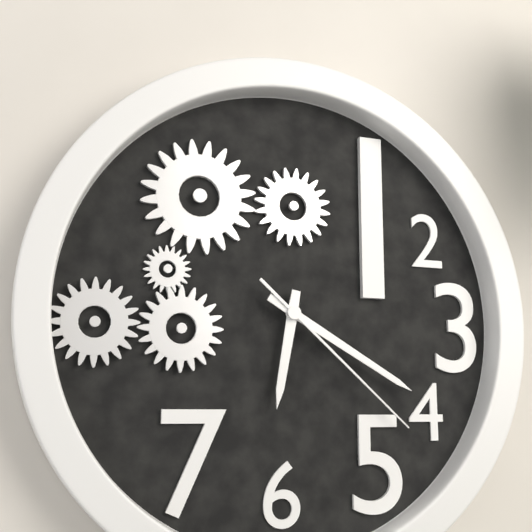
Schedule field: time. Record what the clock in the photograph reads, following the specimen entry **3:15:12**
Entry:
**6:20:22**
